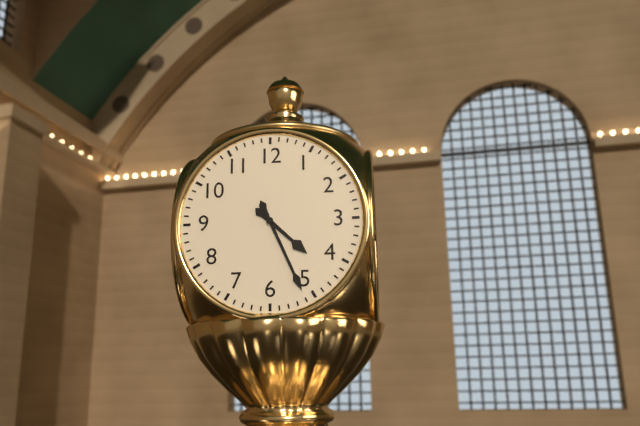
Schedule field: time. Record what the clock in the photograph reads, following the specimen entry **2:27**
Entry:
**4:26**
